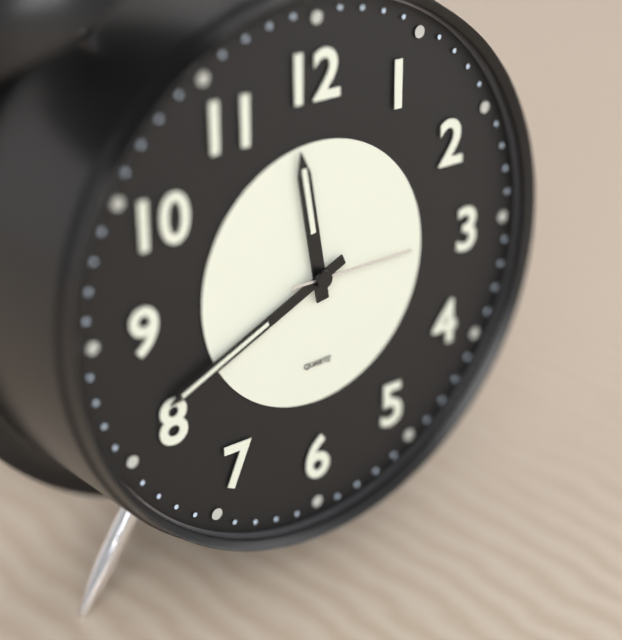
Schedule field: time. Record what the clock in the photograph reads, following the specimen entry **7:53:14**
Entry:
**11:41:15**
